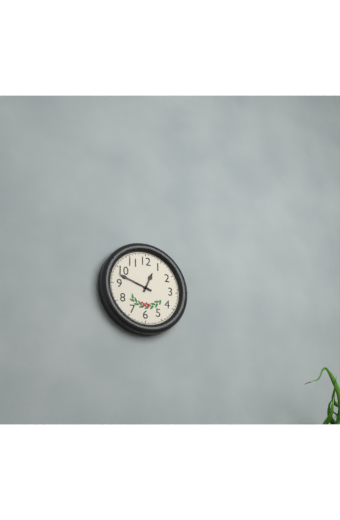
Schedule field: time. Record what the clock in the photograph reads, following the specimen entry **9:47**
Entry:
**12:48**
